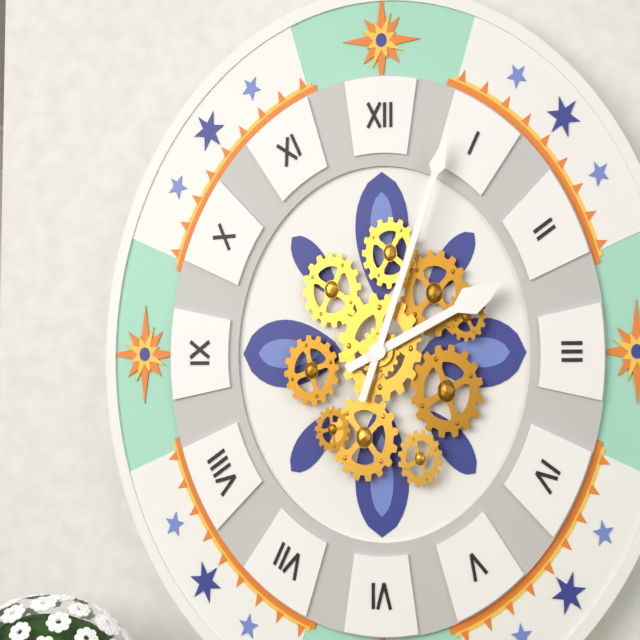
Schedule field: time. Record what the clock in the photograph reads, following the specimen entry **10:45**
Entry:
**2:03**
